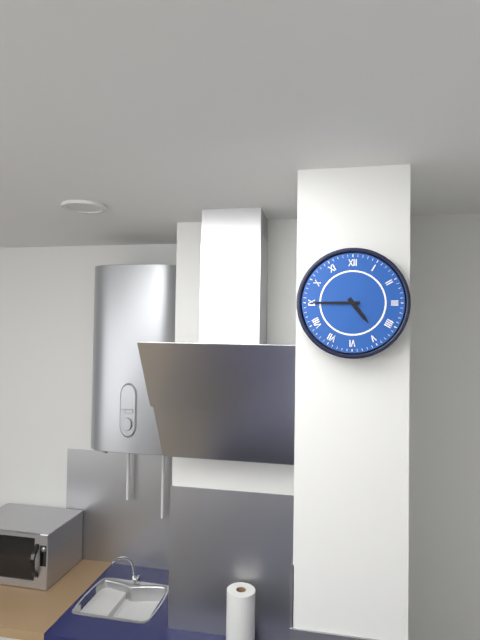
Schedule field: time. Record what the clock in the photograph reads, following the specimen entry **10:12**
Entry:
**4:45**
